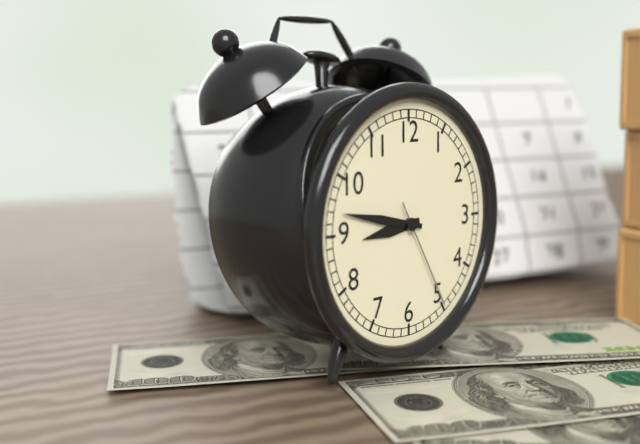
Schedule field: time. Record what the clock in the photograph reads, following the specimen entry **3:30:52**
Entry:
**8:47:25**
